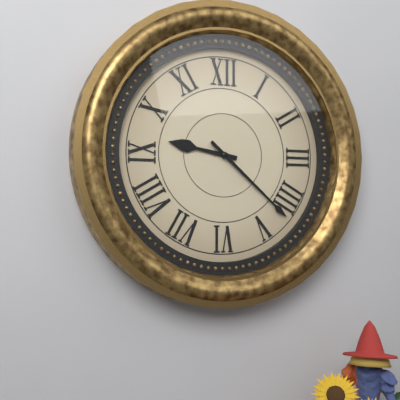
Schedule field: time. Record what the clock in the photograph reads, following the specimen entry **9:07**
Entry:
**9:22**
